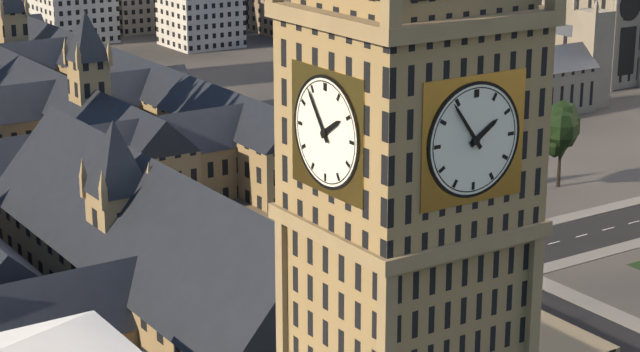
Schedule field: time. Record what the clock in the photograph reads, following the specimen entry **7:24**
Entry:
**1:54**
